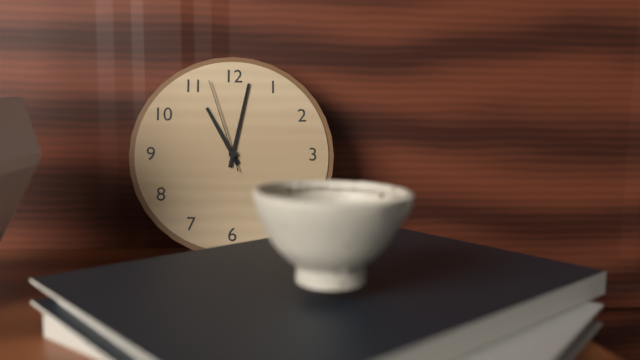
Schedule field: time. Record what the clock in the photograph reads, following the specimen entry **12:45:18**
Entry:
**11:02:57**
